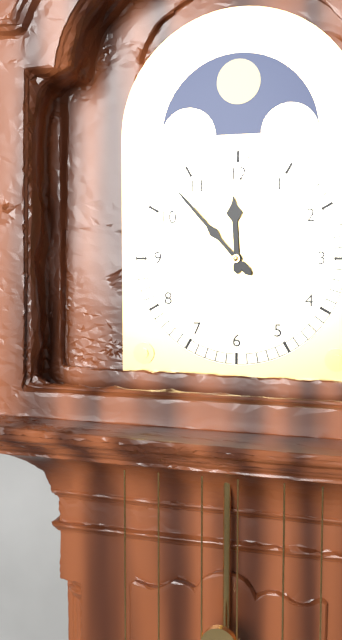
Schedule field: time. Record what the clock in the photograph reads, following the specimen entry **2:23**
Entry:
**11:53**
